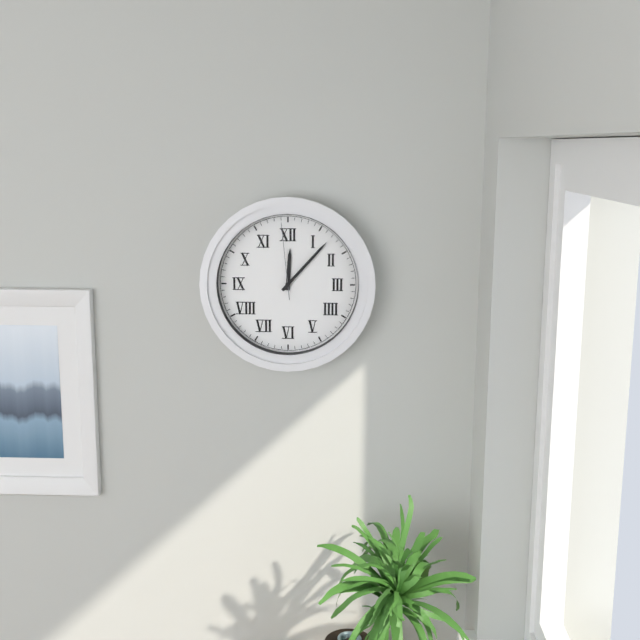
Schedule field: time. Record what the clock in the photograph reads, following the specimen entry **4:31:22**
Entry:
**12:07:59**
